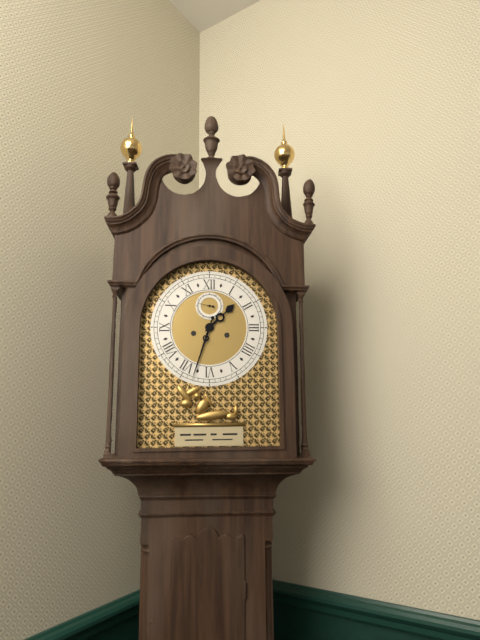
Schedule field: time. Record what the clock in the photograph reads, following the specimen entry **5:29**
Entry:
**1:33**
